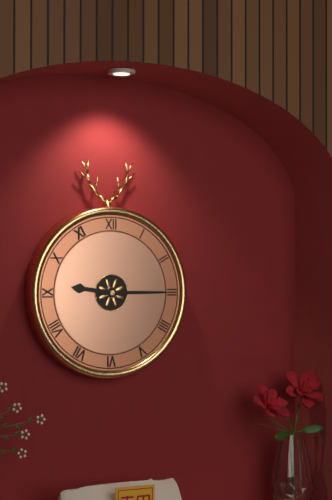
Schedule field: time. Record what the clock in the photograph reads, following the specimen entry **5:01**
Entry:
**9:15**
